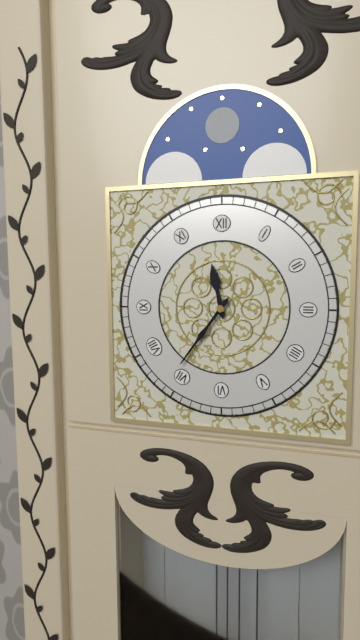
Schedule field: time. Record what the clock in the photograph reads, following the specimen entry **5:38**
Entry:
**11:36**
